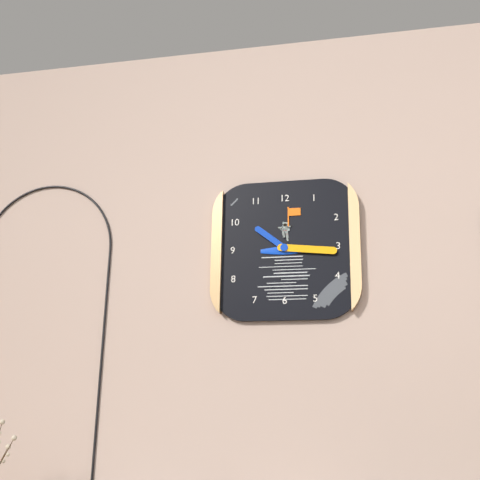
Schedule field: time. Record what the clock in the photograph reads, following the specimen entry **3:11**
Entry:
**10:16**
